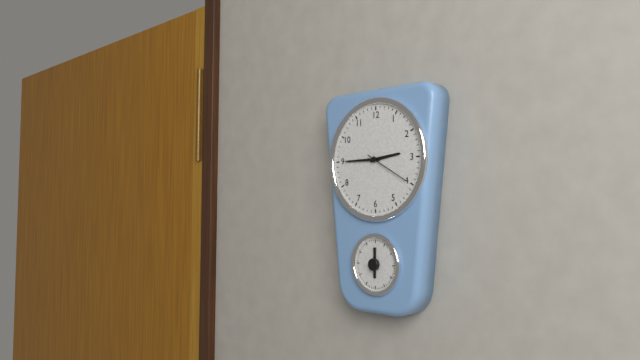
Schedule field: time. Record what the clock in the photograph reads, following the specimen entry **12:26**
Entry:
**2:45**
